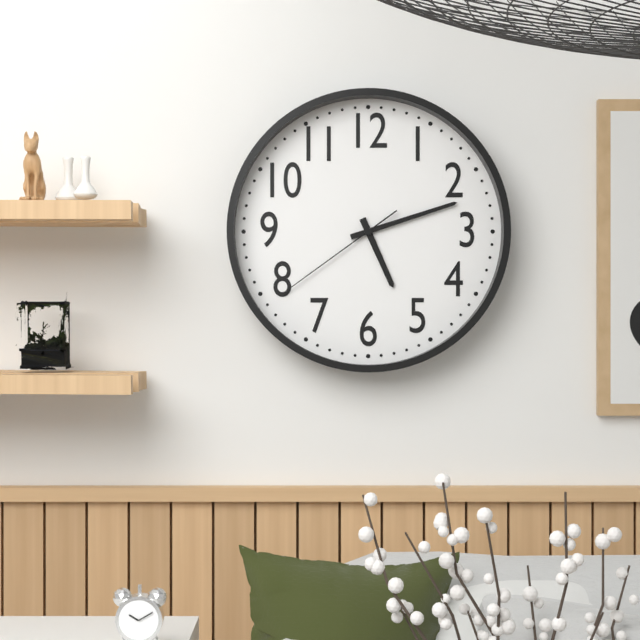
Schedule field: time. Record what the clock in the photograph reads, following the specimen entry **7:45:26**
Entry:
**5:12:39**
